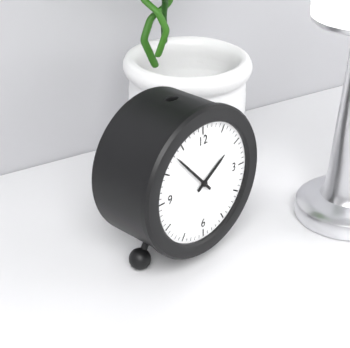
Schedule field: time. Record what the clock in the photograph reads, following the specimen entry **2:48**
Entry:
**1:53**
